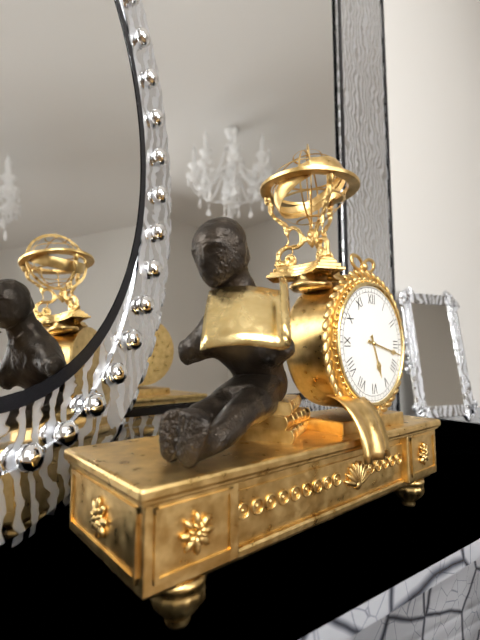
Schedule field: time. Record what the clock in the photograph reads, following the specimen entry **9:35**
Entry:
**5:17**
